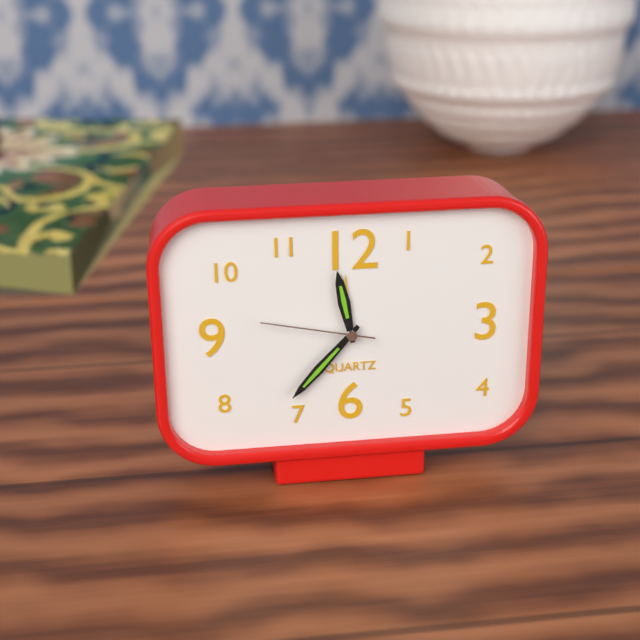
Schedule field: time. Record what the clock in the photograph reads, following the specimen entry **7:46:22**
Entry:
**11:37:47**
